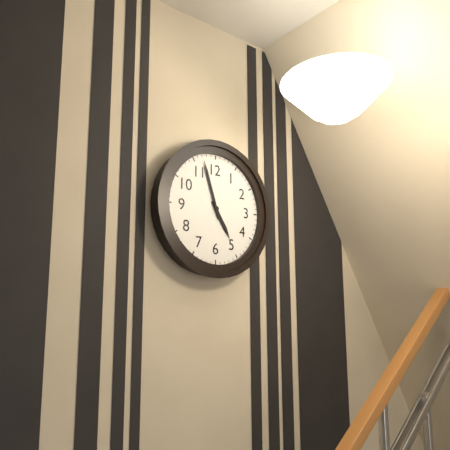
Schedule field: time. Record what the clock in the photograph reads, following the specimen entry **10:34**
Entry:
**4:57**
